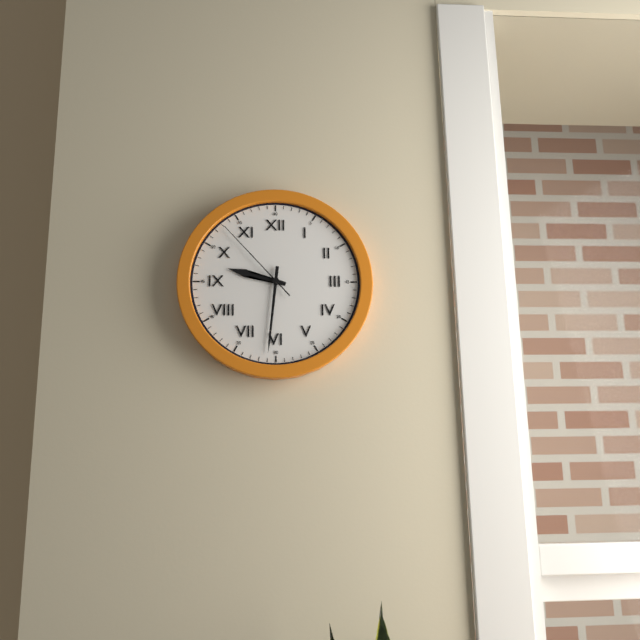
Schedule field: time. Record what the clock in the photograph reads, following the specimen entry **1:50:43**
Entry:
**9:31:53**
